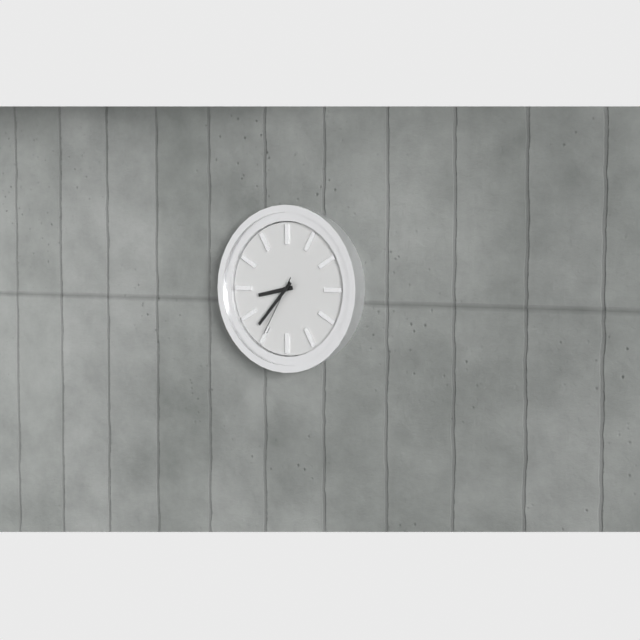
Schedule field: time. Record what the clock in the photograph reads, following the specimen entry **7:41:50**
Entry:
**8:37:35**
